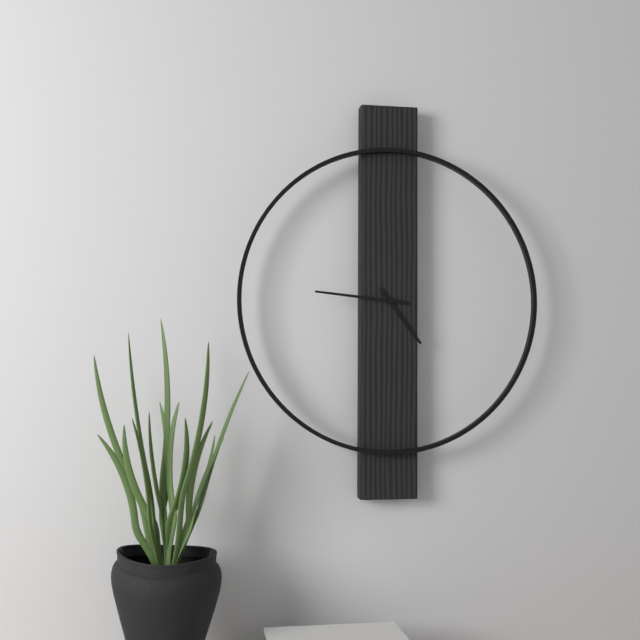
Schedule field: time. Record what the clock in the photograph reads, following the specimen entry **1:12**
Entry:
**4:46**
